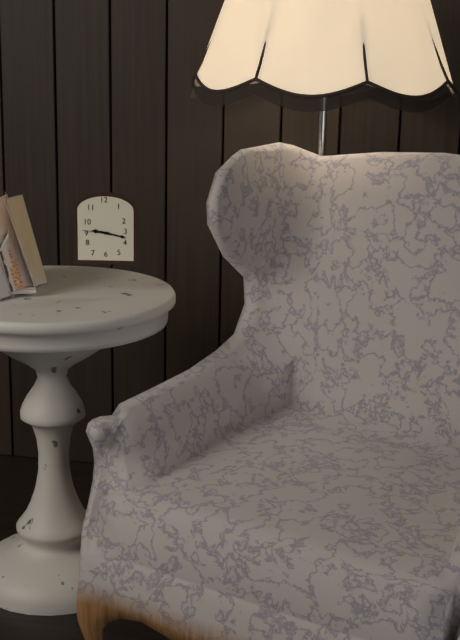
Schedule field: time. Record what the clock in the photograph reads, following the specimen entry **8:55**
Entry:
**9:17**
